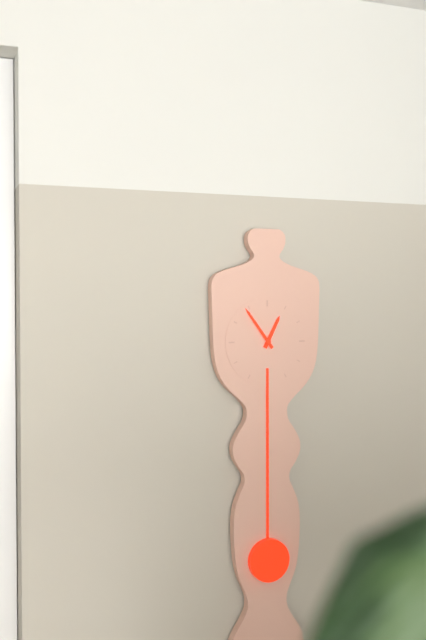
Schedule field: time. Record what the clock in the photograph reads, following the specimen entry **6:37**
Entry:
**12:54**
